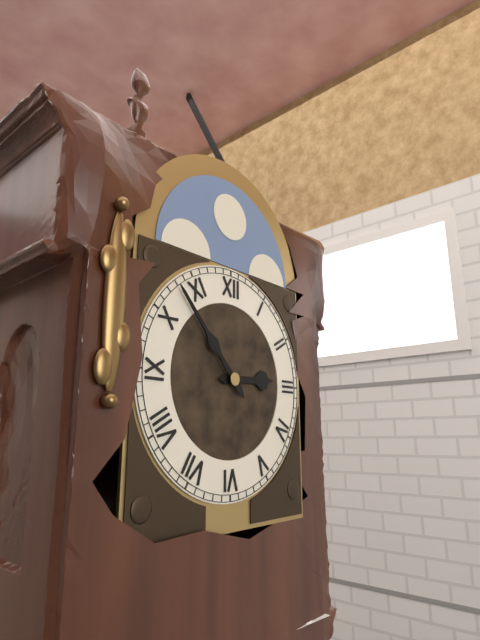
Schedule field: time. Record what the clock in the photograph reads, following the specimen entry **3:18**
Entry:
**2:53**
